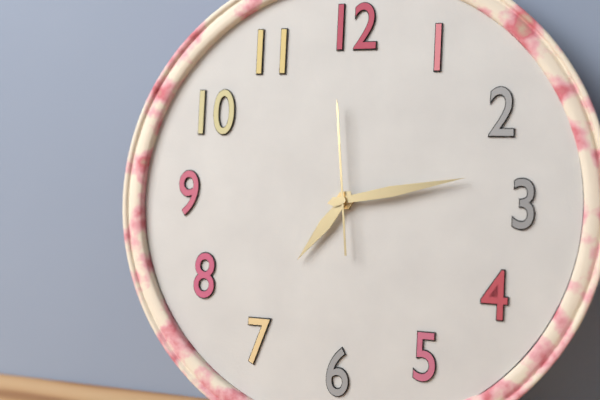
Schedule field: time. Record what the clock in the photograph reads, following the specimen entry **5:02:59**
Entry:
**7:13:59**
